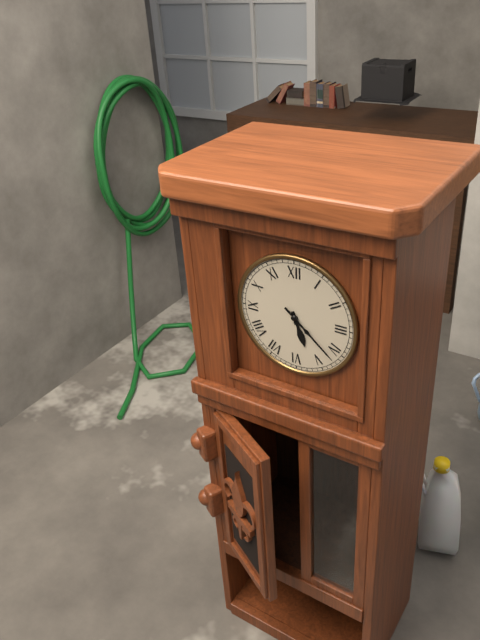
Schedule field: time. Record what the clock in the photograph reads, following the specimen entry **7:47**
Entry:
**5:22**
